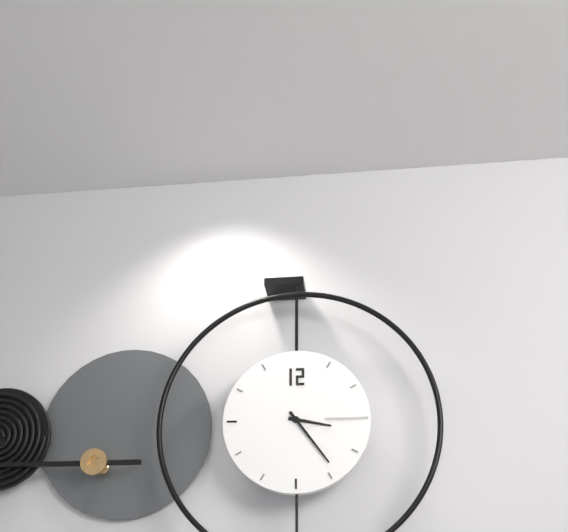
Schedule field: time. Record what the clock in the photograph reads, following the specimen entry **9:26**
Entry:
**3:24**
